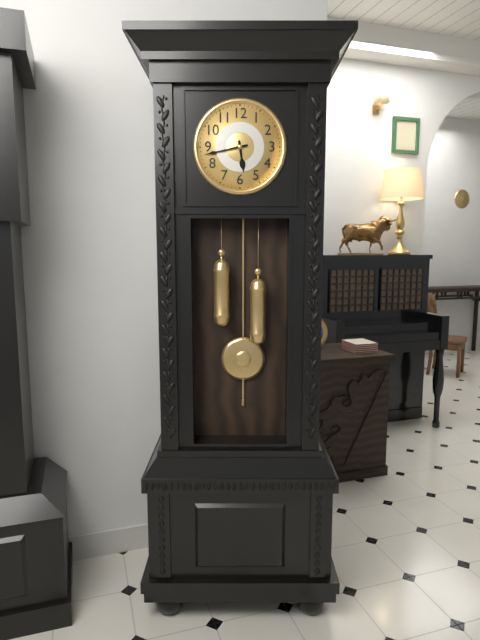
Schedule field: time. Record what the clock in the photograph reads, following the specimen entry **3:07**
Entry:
**5:43**
